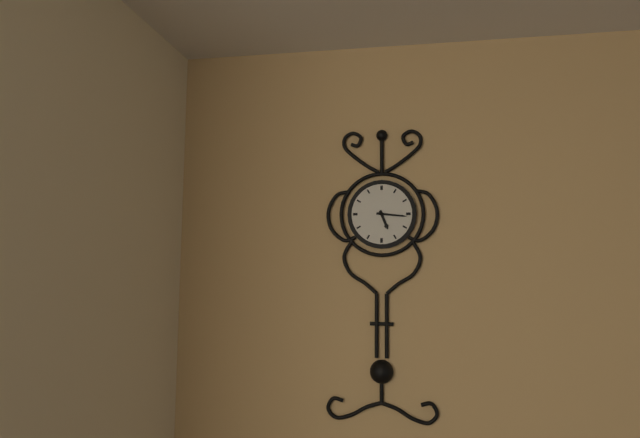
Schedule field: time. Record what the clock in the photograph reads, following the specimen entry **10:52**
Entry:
**5:16**
